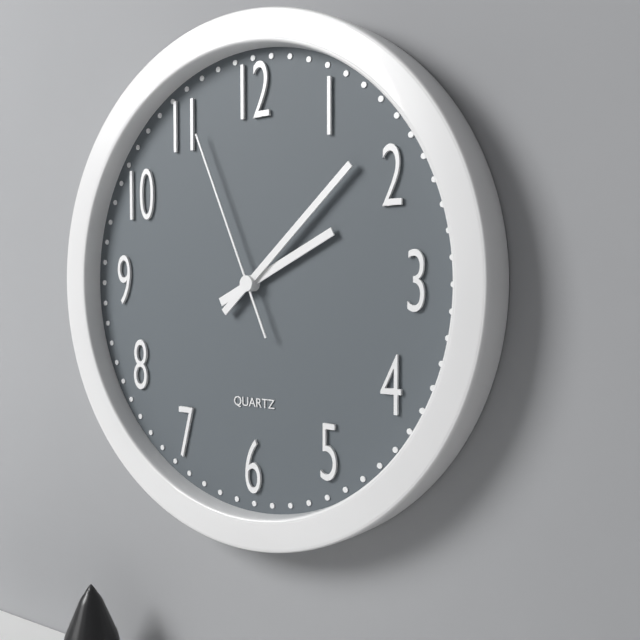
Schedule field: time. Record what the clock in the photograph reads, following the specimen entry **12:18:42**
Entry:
**2:08:56**
